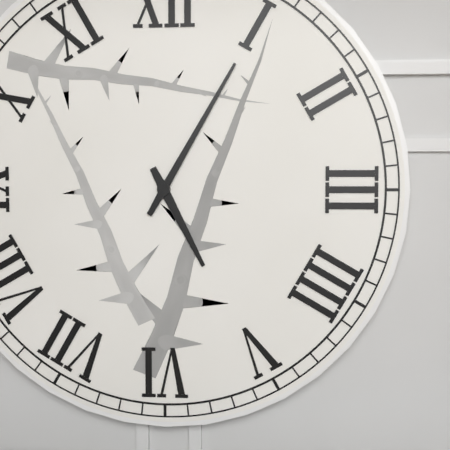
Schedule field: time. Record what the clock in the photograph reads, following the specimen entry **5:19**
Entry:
**5:05**
